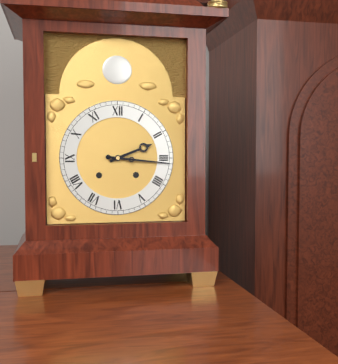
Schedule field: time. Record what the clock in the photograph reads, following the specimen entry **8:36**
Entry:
**2:16**
